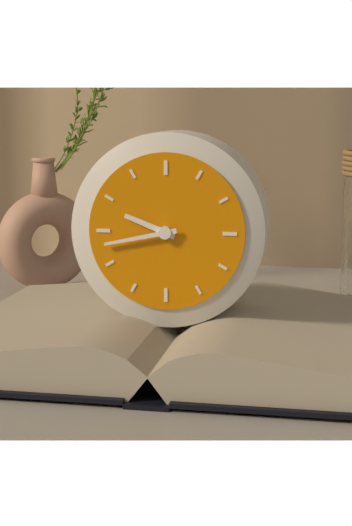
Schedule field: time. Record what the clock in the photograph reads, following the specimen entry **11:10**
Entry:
**9:43**
